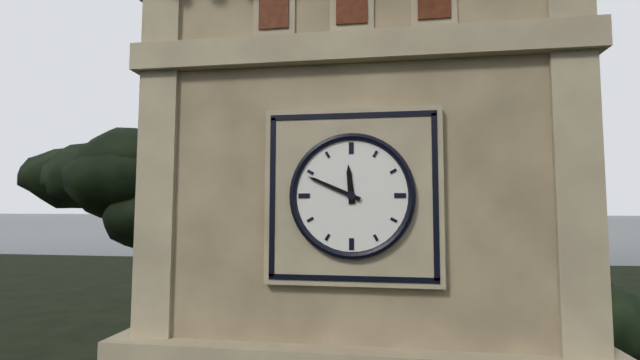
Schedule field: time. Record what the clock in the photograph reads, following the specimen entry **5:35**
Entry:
**11:49**
